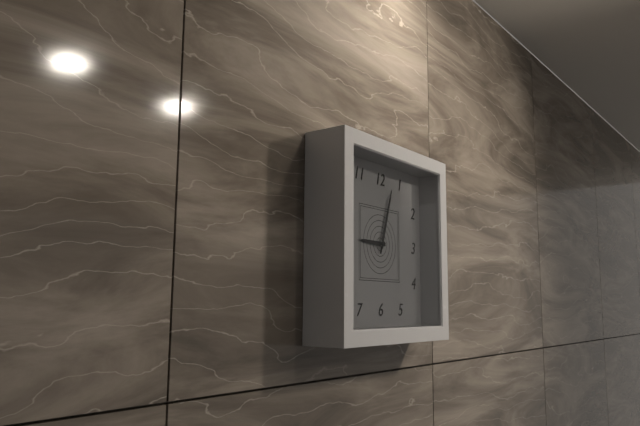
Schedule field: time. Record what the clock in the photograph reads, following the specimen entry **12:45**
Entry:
**9:03**
